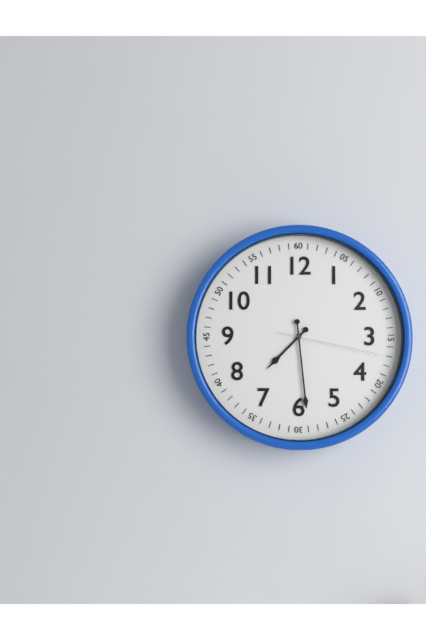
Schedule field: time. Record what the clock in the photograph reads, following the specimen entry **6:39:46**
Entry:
**7:29:17**
